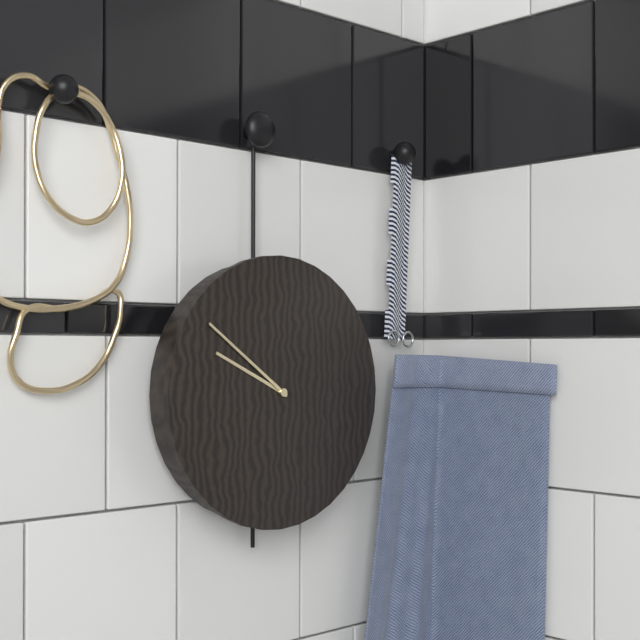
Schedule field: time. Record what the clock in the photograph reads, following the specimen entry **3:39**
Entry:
**9:51**
